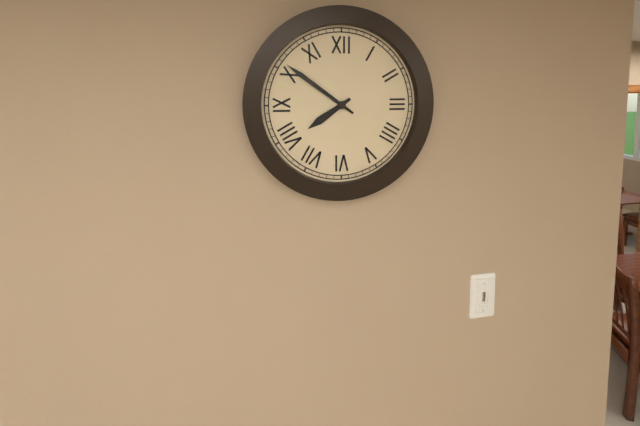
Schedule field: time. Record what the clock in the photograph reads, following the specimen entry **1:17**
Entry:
**7:51**
